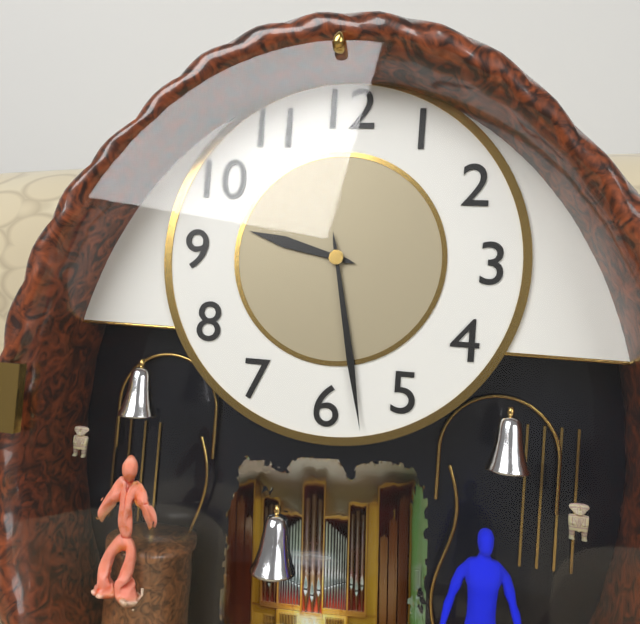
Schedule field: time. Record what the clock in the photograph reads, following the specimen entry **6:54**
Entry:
**9:28**
